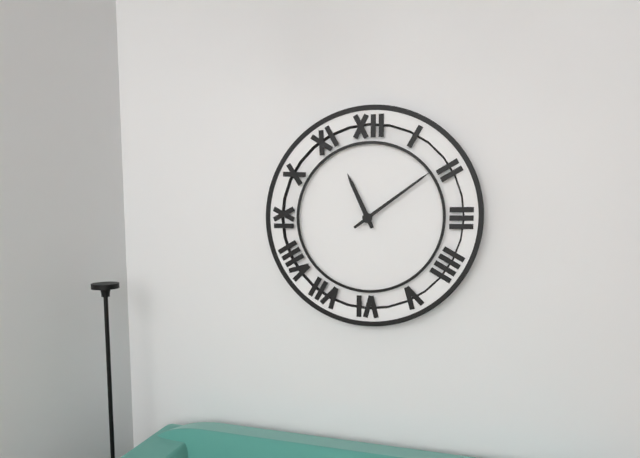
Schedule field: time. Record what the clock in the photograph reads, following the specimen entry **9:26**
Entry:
**11:09**
